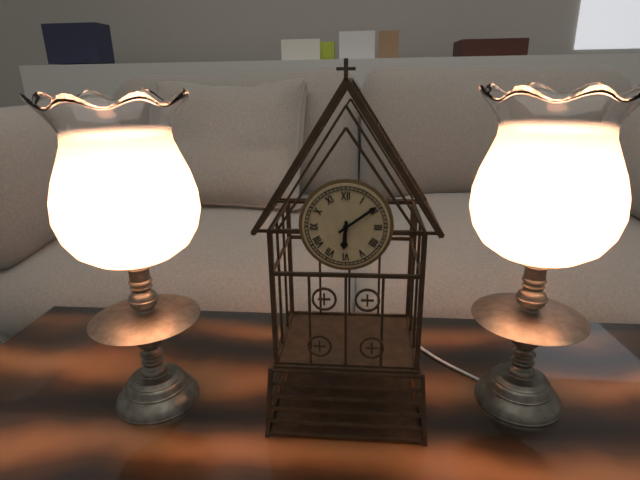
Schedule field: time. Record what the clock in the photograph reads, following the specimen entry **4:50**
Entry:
**6:09**
